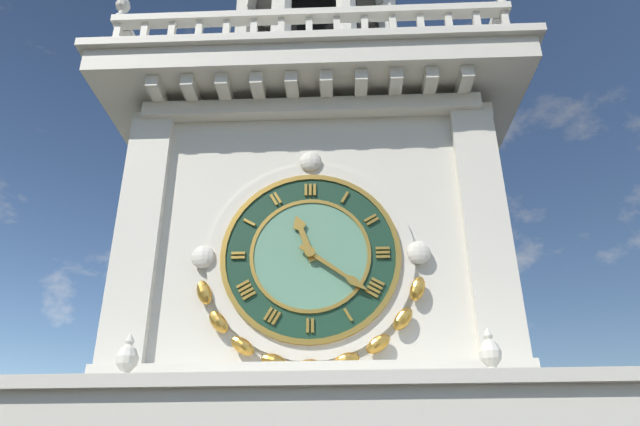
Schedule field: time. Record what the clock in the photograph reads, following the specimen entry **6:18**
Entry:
**11:21**
